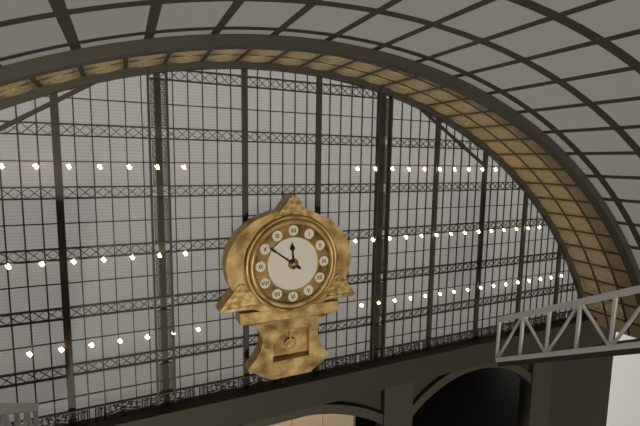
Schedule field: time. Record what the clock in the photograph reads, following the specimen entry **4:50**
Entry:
**11:51**
